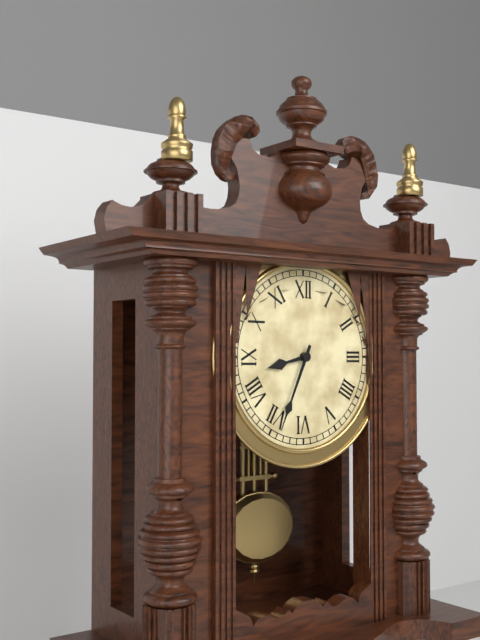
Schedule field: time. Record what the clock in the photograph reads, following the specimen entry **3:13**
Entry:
**8:34**
